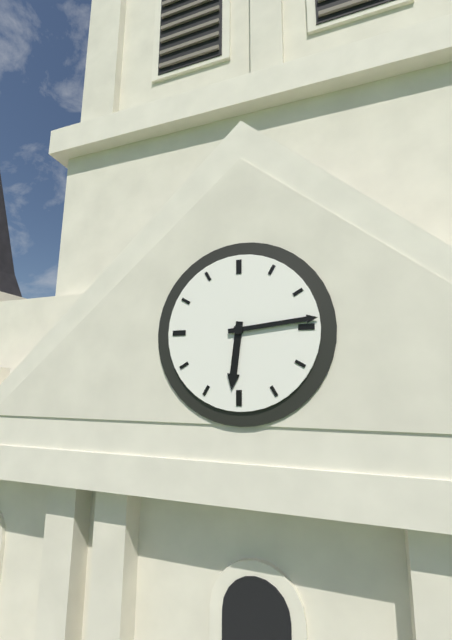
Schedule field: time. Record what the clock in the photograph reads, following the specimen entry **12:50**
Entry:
**6:14**
